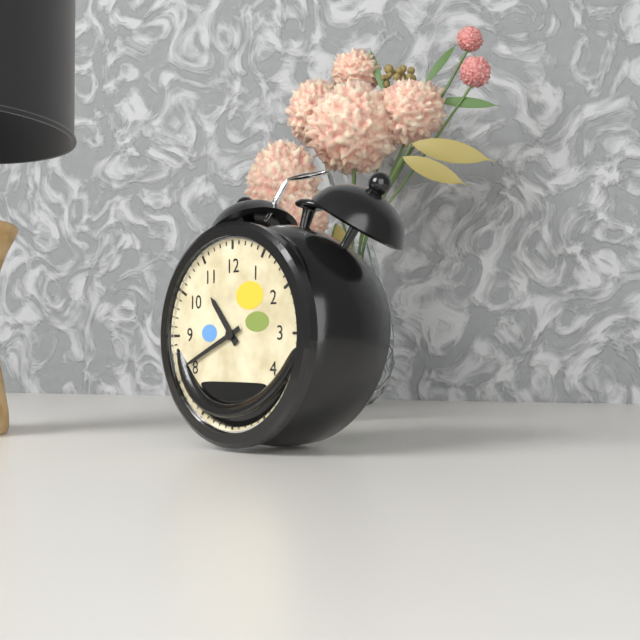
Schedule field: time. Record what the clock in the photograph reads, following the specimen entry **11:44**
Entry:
**10:41**
